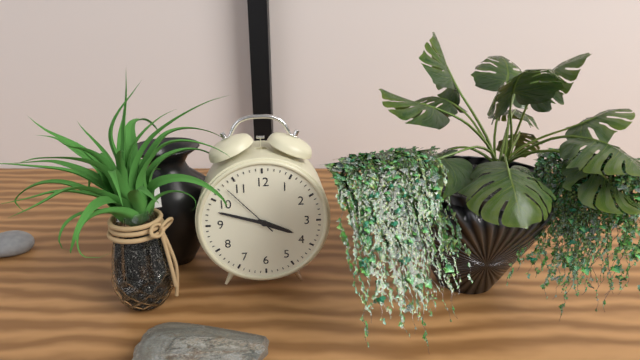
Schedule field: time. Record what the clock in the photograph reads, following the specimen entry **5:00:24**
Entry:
**3:48:53**
